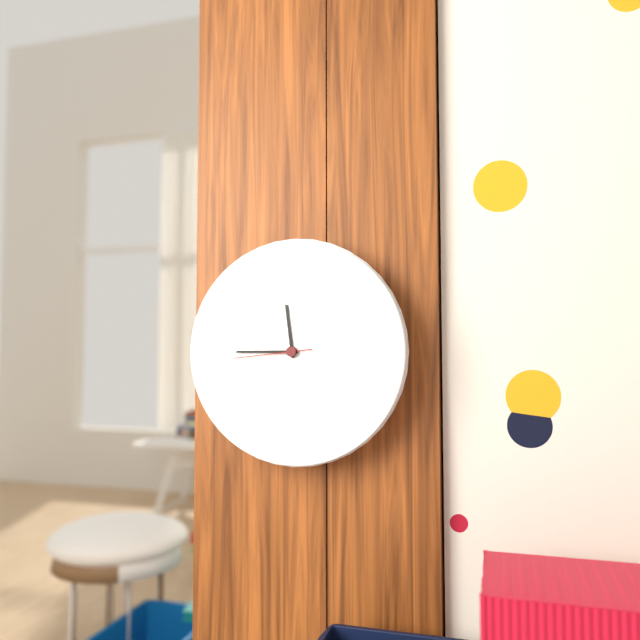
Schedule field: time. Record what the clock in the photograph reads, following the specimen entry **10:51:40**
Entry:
**11:45:44**
